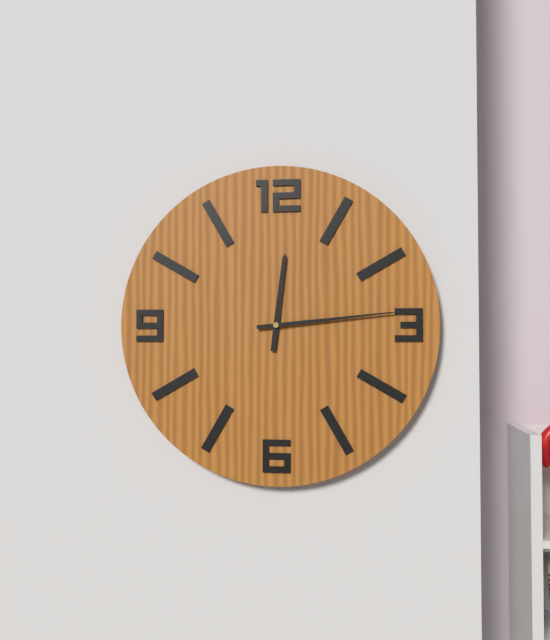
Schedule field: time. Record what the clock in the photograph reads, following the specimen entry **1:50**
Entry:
**12:14**
